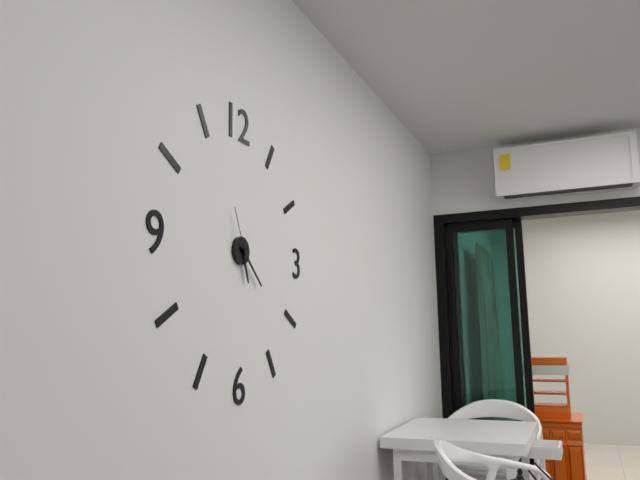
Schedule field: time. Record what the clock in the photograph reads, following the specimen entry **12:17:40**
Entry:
**5:22:56**
